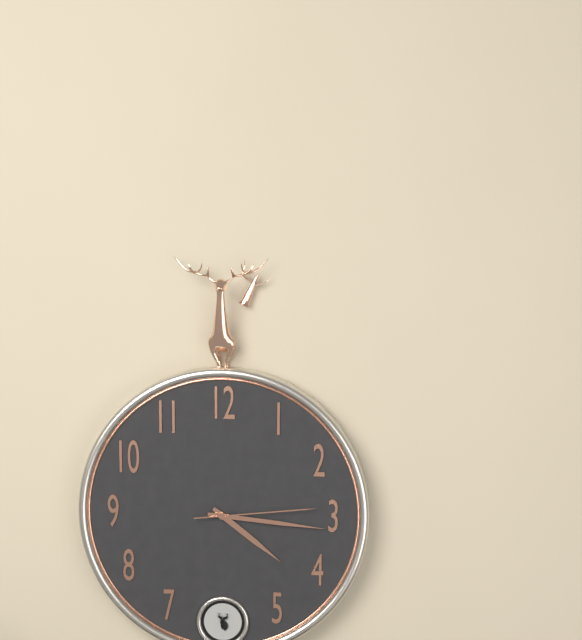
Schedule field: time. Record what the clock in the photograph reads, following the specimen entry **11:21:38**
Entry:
**4:16:14**
